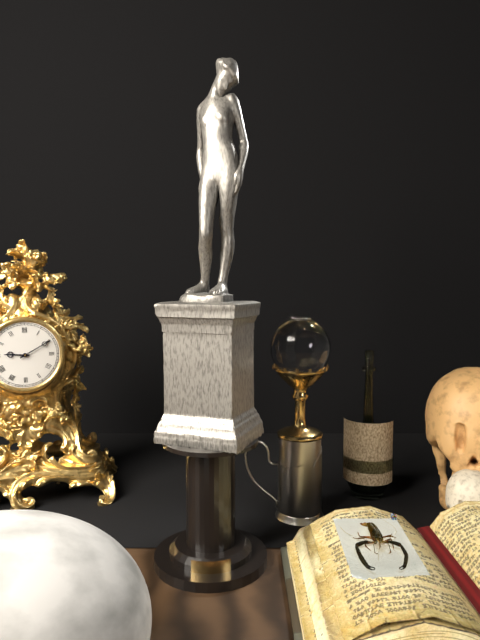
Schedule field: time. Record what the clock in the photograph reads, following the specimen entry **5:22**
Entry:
**9:10**
